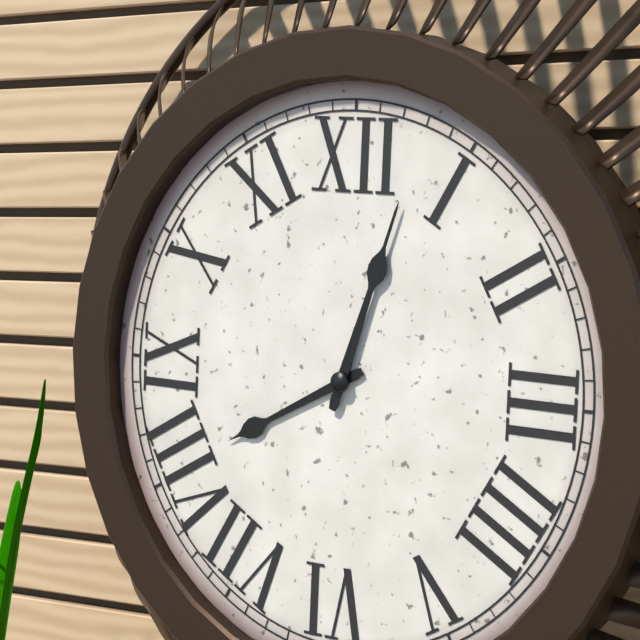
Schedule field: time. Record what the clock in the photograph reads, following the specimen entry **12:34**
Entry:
**8:03**
